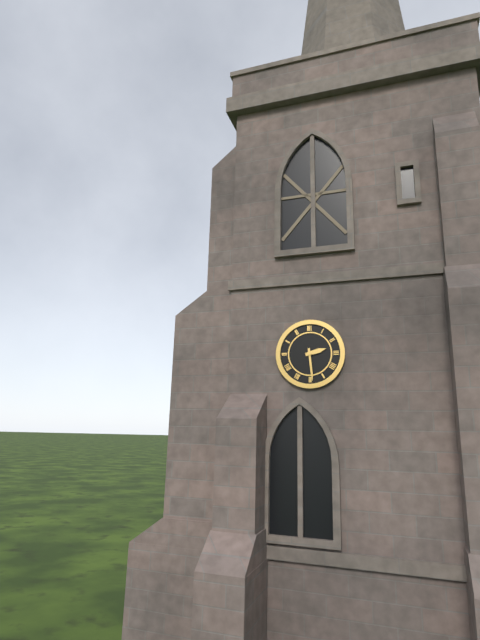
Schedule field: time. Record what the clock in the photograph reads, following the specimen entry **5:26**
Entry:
**2:29**
